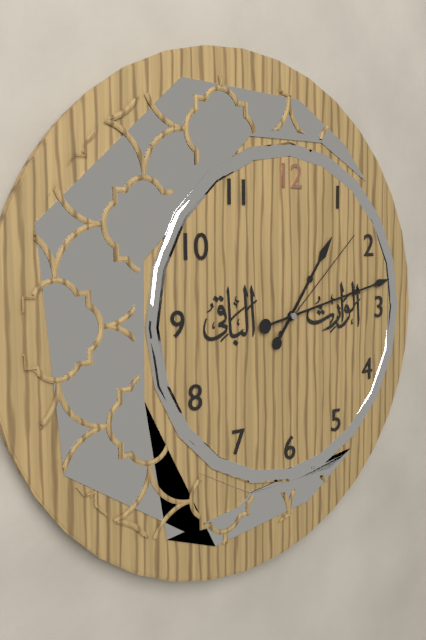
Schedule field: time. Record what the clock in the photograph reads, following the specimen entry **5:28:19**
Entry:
**1:13:08**
